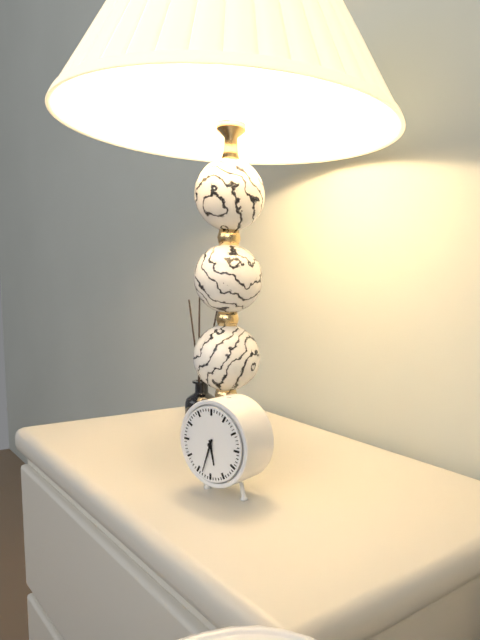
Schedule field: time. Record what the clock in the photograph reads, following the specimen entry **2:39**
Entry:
**5:33**
